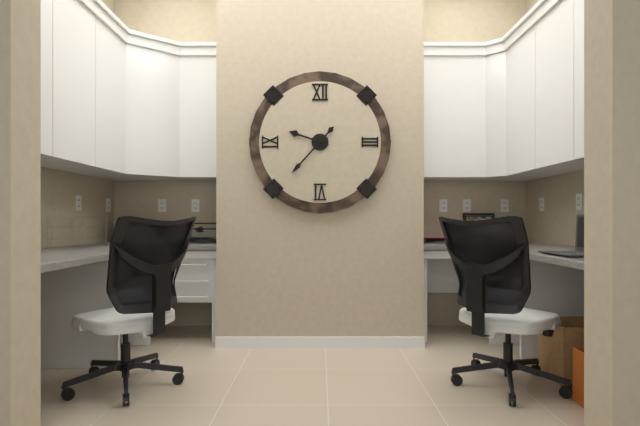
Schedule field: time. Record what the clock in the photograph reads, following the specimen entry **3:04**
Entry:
**9:37**
